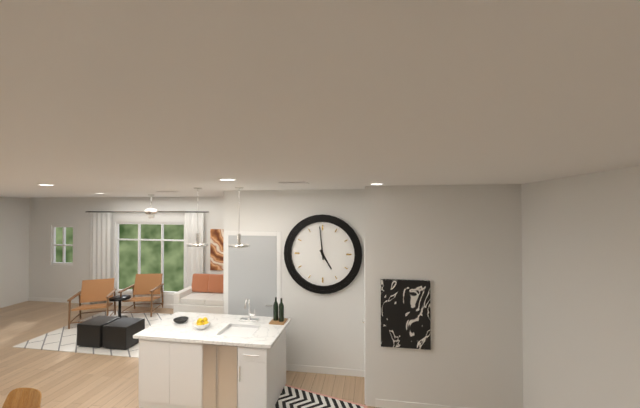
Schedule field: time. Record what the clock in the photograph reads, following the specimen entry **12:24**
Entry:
**4:59**
